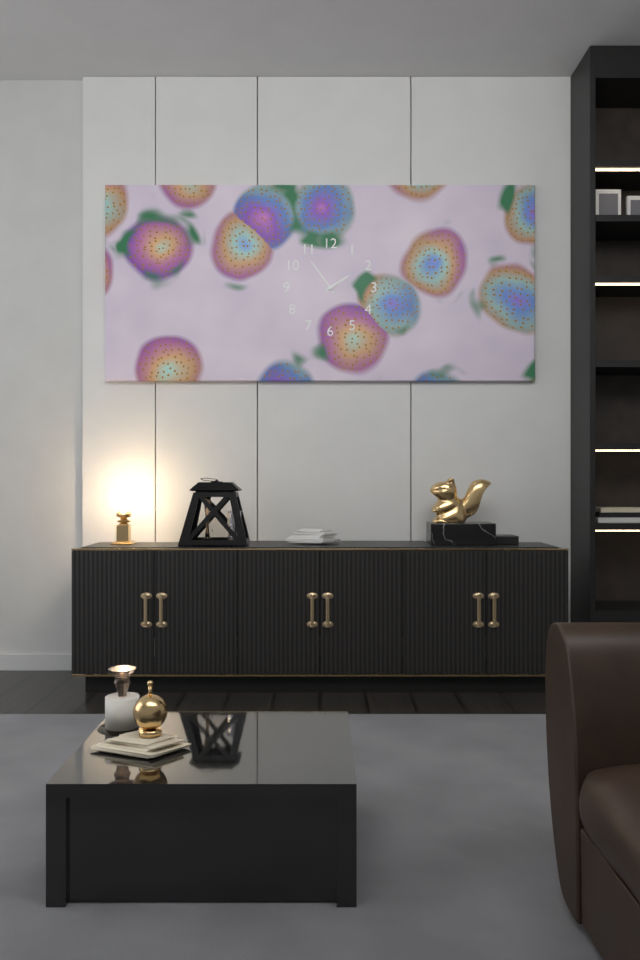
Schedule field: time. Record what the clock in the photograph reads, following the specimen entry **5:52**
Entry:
**1:54**
